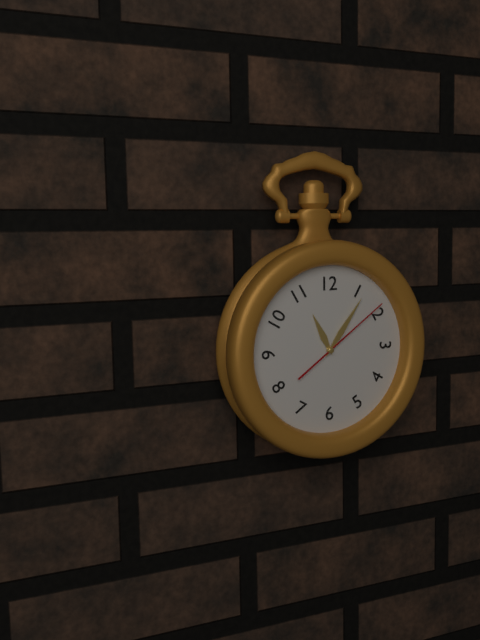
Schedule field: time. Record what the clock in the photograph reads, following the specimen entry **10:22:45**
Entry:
**11:06:09**
